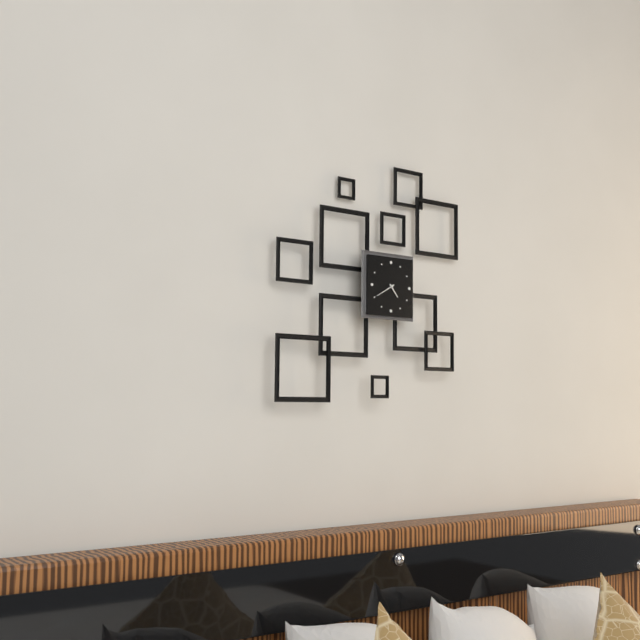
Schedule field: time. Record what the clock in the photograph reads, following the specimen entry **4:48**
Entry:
**4:40**
